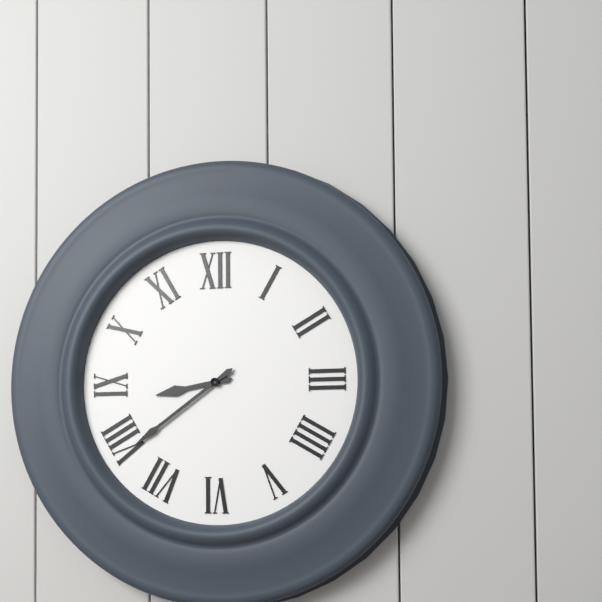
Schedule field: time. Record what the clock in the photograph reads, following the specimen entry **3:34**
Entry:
**8:39**
